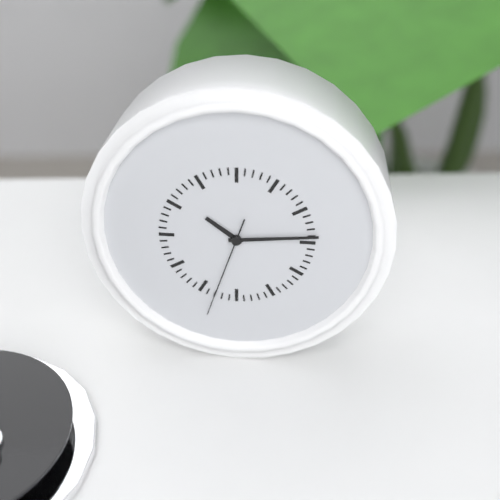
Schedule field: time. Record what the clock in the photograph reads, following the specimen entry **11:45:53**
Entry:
**10:14:33**
